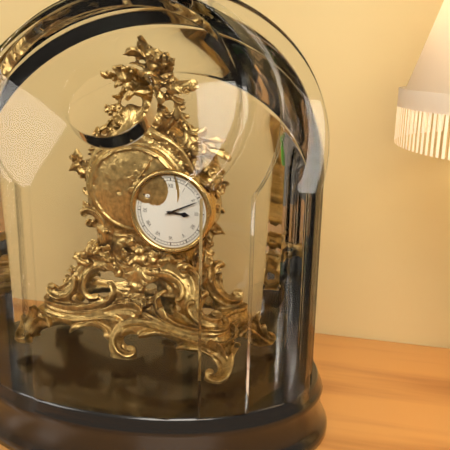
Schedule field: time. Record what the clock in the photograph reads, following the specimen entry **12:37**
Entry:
**3:11**
